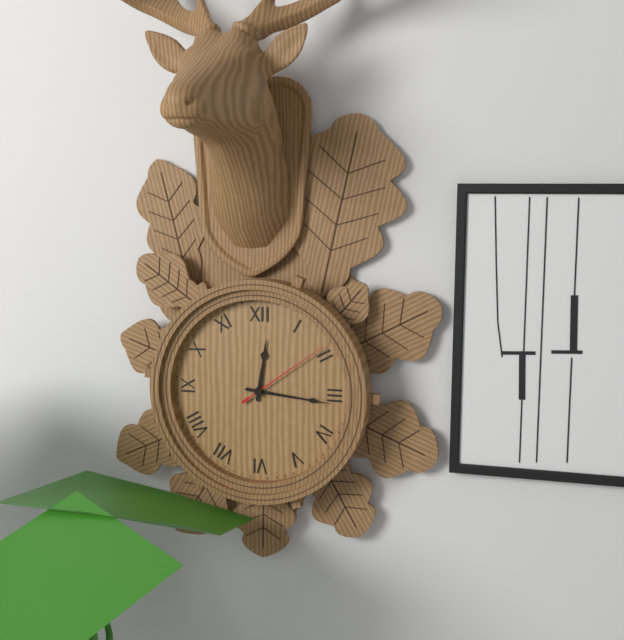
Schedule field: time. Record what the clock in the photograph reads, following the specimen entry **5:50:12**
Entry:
**12:16:09**
